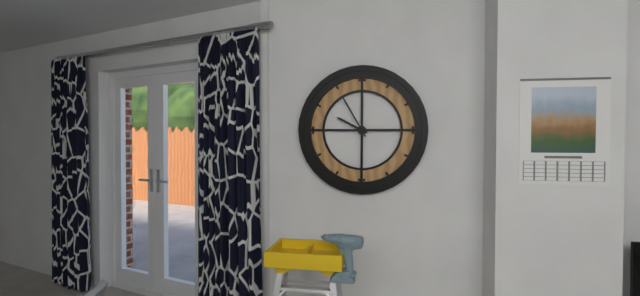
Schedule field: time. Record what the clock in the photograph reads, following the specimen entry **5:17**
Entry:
**9:55**
